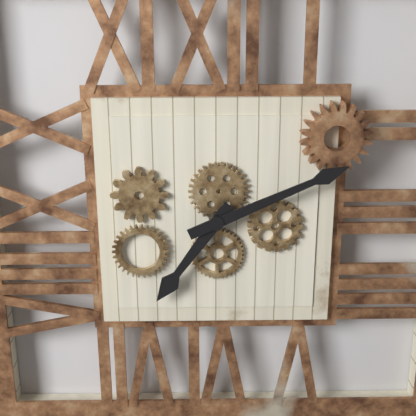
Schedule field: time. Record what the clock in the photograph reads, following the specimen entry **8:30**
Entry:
**7:11**
